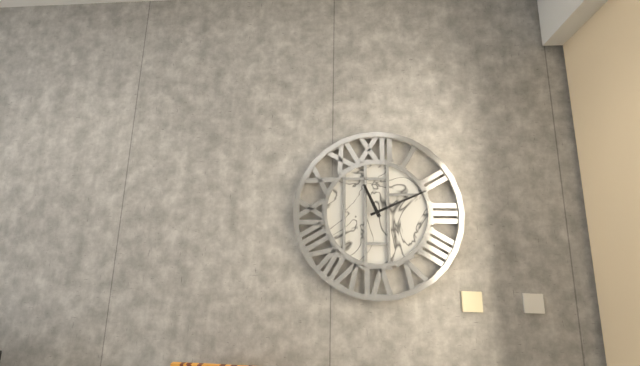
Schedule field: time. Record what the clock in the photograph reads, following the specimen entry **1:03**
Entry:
**11:11**
